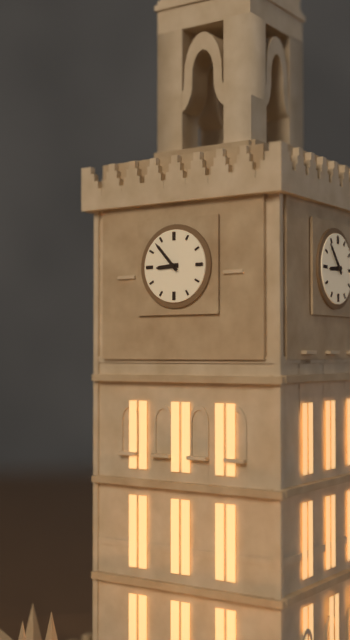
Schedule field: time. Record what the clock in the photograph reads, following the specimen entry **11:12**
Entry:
**8:53**
